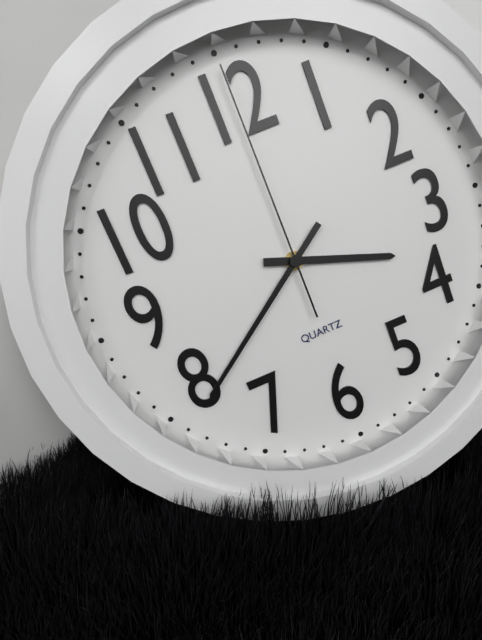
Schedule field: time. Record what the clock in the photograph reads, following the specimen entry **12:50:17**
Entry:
**3:39:00**
